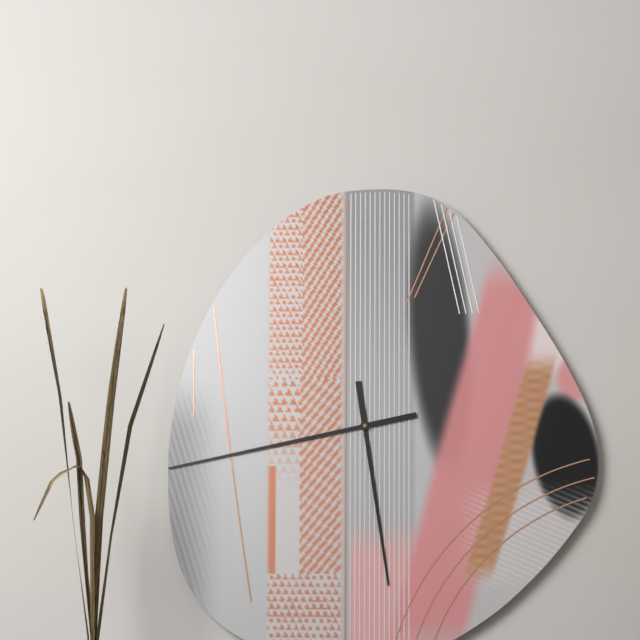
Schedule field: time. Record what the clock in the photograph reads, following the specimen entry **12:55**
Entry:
**5:43**
